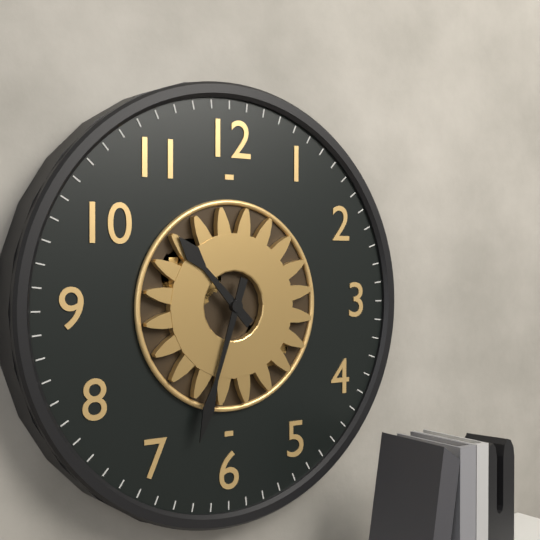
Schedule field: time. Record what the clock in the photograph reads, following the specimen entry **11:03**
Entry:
**10:33**
